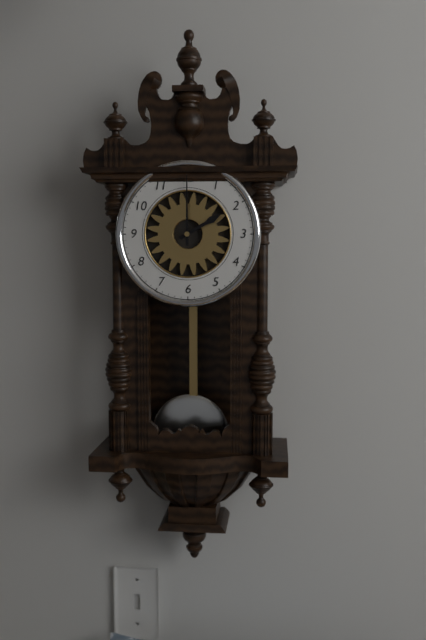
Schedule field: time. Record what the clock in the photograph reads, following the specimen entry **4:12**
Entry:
**2:00**
